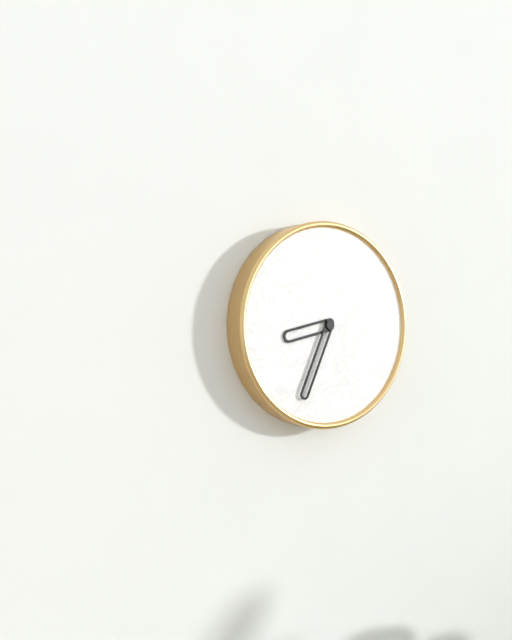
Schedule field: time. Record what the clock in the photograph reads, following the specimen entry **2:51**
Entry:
**8:34**
